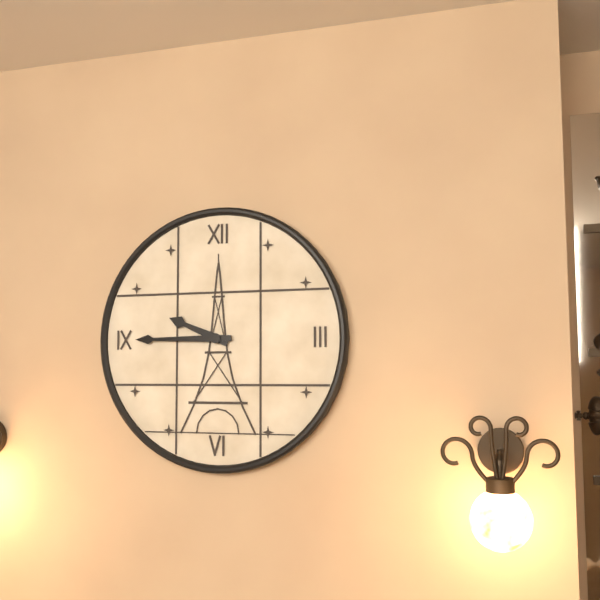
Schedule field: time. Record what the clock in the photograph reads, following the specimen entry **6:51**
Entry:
**9:45**
